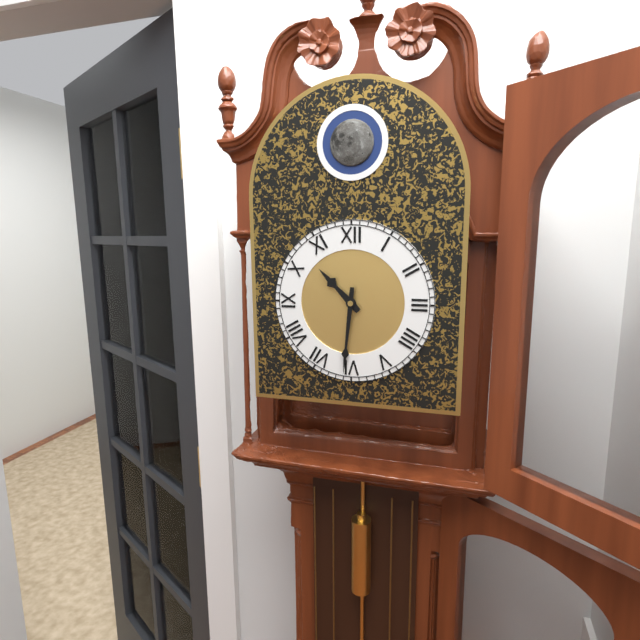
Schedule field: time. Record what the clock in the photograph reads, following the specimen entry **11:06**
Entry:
**10:31**
